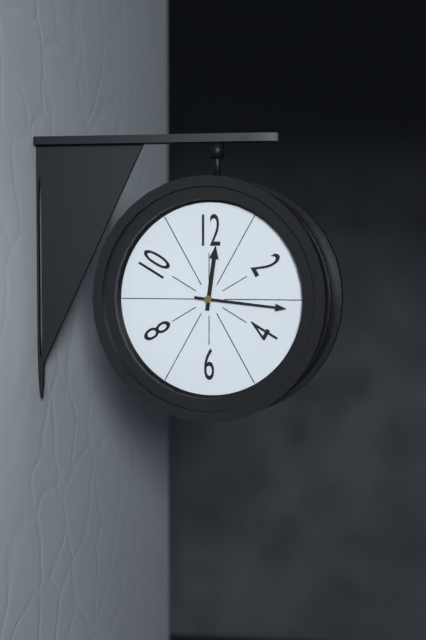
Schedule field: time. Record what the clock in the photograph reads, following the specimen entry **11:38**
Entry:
**12:16**
